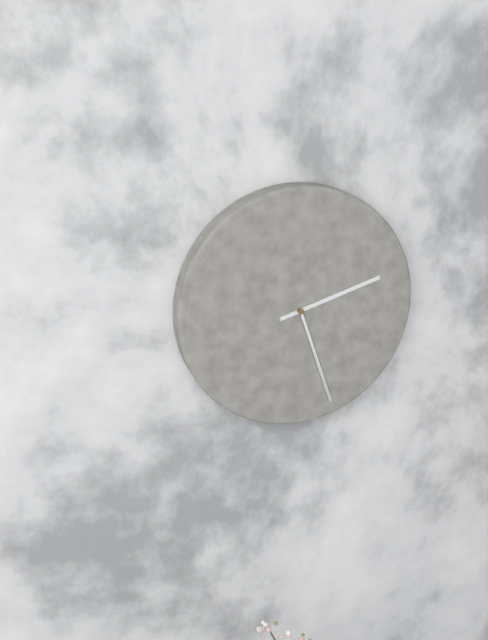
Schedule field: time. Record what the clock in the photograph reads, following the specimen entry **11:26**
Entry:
**2:27**
